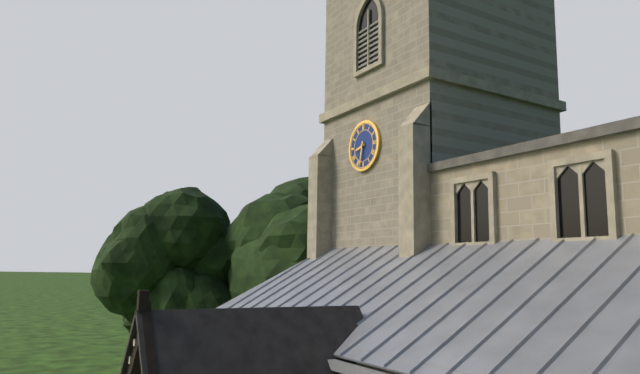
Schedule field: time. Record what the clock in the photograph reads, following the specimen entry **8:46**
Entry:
**8:32**
